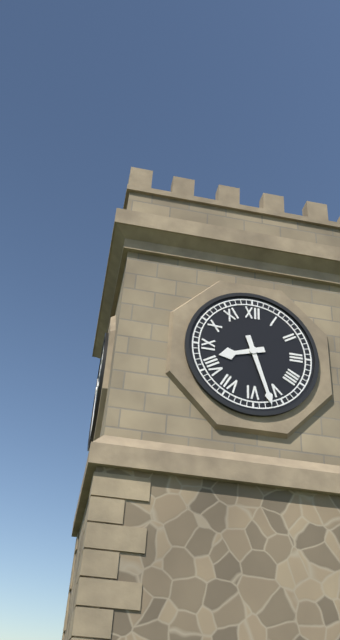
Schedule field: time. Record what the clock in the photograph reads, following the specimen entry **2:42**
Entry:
**8:27**
